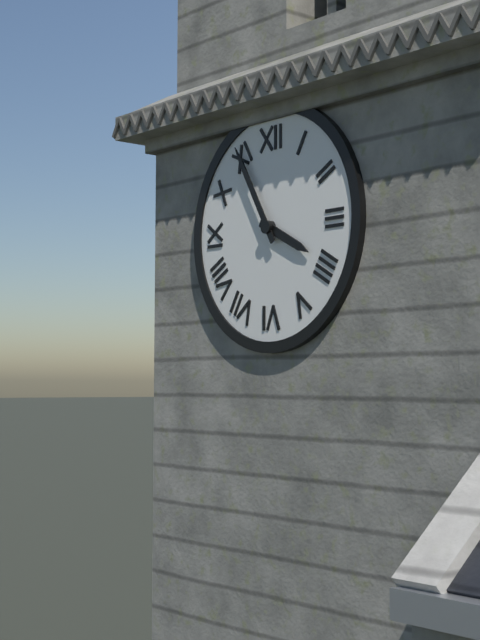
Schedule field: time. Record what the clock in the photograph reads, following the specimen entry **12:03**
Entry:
**3:55**
